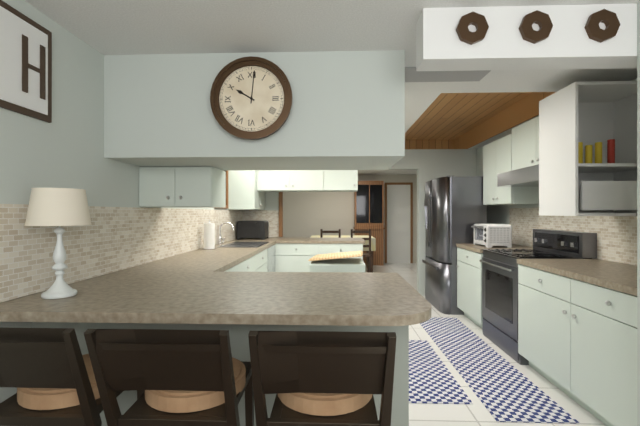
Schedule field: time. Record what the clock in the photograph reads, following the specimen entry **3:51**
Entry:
**10:01**
